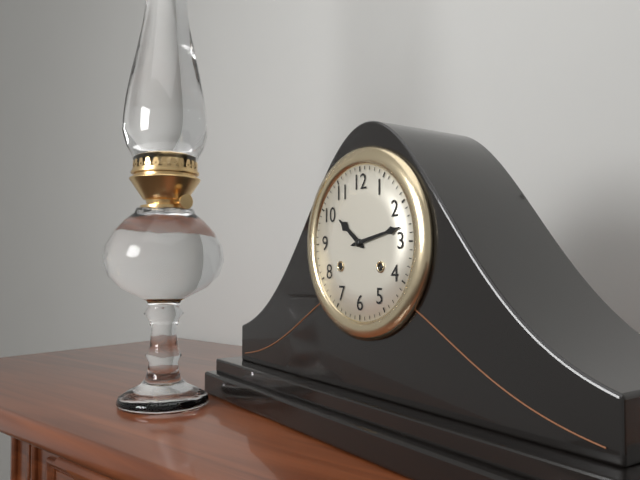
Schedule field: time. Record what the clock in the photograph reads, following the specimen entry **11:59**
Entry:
**10:13**
